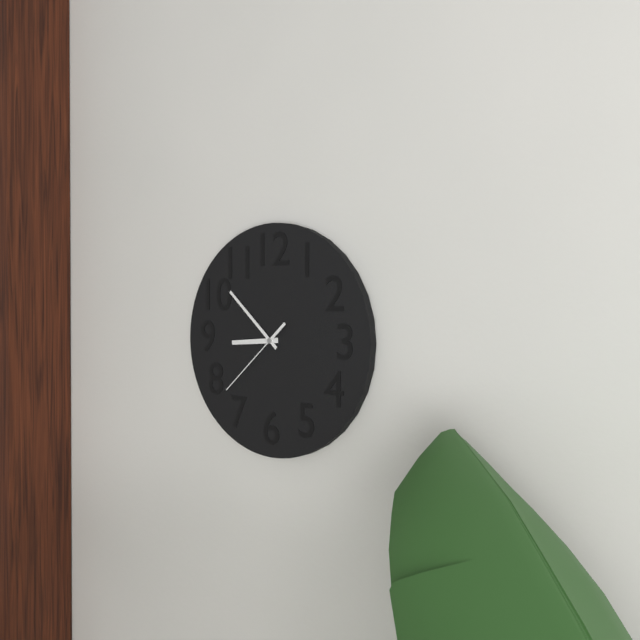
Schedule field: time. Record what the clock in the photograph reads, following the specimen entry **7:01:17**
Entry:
**8:52:38**
